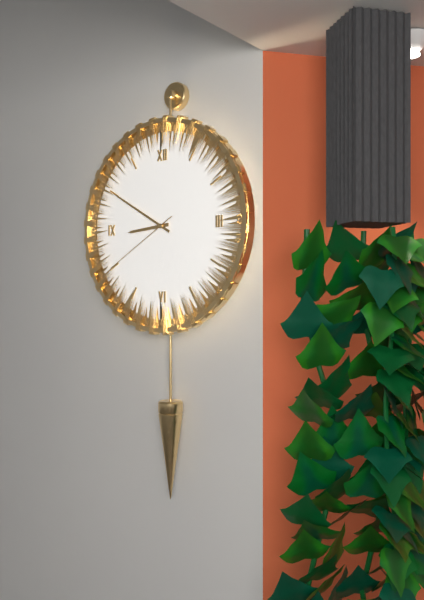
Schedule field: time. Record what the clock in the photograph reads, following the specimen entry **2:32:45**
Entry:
**8:50:40**
